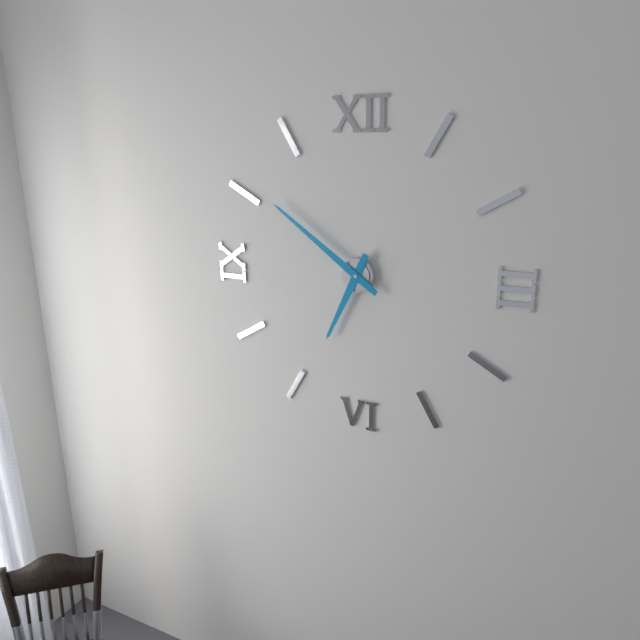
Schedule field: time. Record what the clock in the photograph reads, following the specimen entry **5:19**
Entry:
**6:51**
